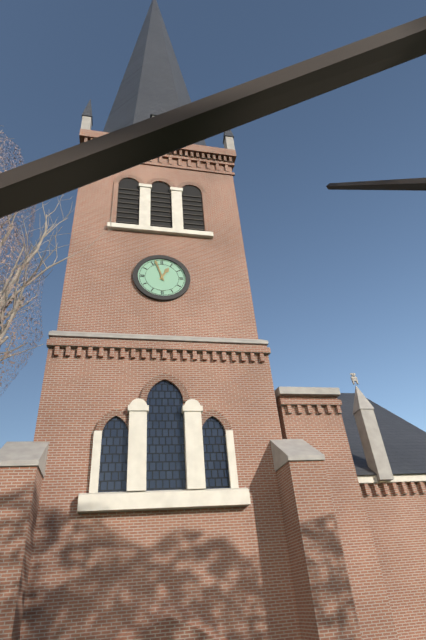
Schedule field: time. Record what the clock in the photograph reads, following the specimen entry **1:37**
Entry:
**12:57**
